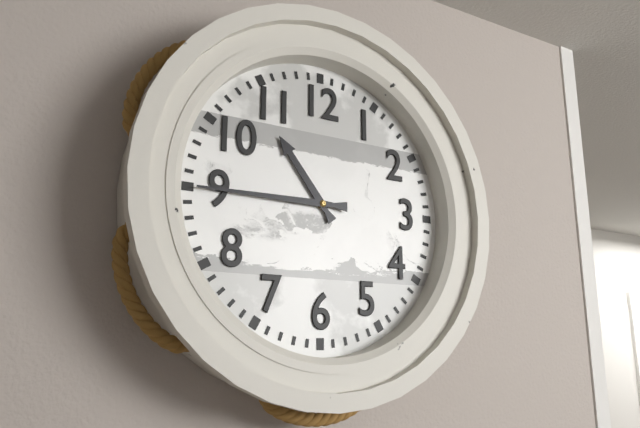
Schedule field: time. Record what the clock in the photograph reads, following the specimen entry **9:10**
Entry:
**10:45**
